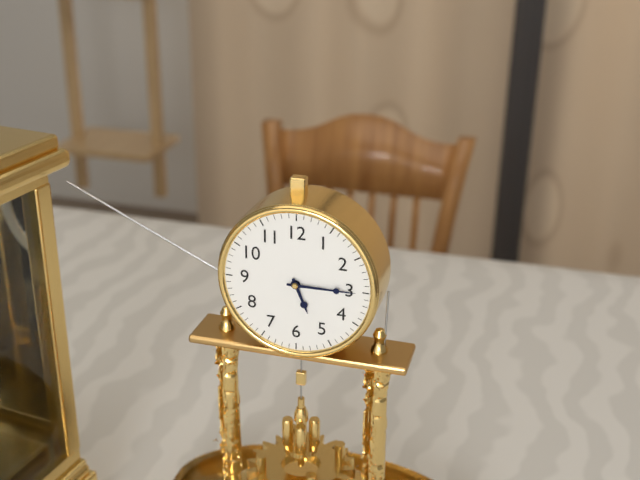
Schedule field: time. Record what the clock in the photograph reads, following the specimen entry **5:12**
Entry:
**5:15**
